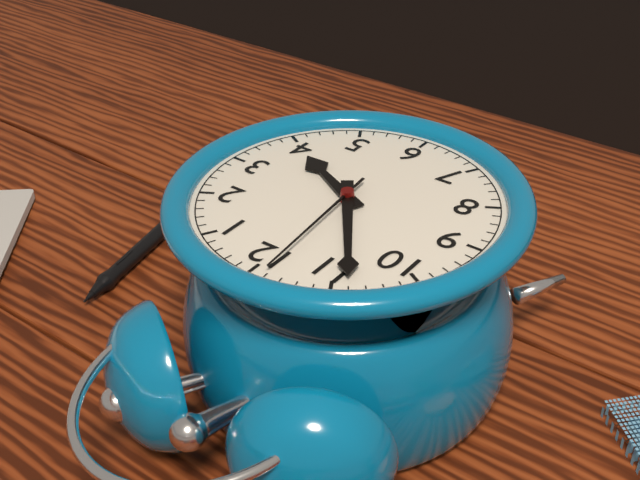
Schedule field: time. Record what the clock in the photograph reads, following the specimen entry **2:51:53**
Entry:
**3:54:59**
